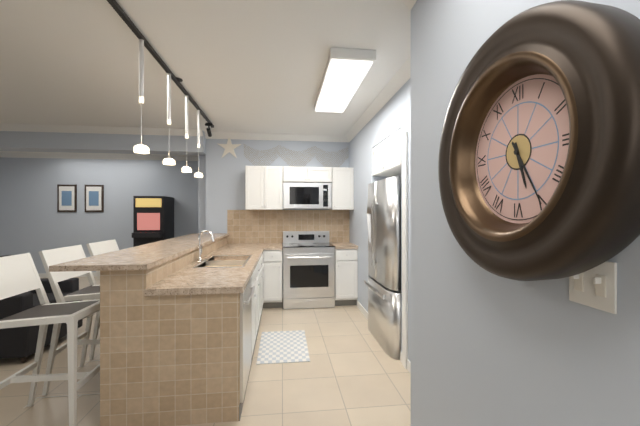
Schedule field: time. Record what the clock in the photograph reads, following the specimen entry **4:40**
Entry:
**5:25**
